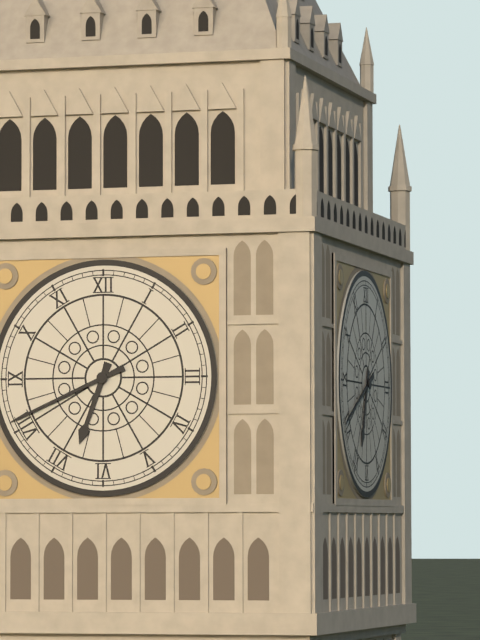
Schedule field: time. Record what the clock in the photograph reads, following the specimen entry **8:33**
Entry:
**6:41**
